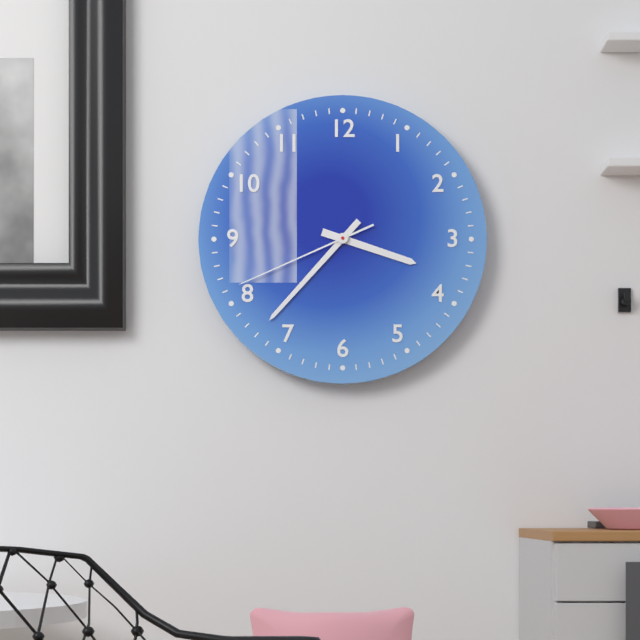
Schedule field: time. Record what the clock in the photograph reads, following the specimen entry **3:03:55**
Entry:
**3:37:41**
